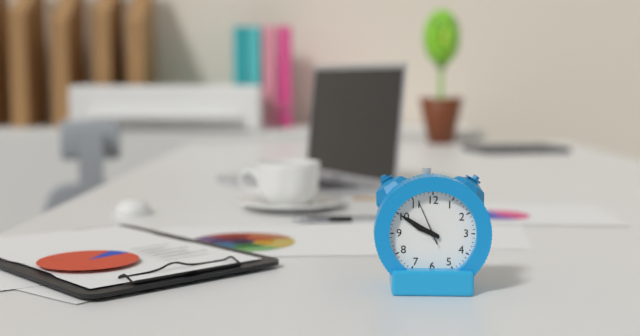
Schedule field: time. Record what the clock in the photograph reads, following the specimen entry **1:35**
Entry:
**9:50**
